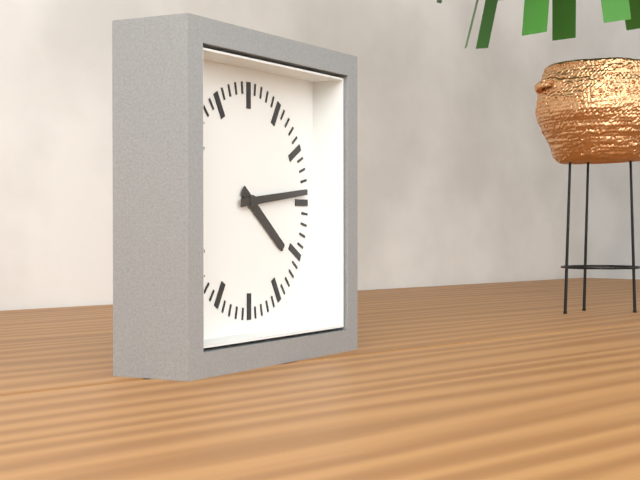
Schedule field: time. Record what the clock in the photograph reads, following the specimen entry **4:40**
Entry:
**4:14**
